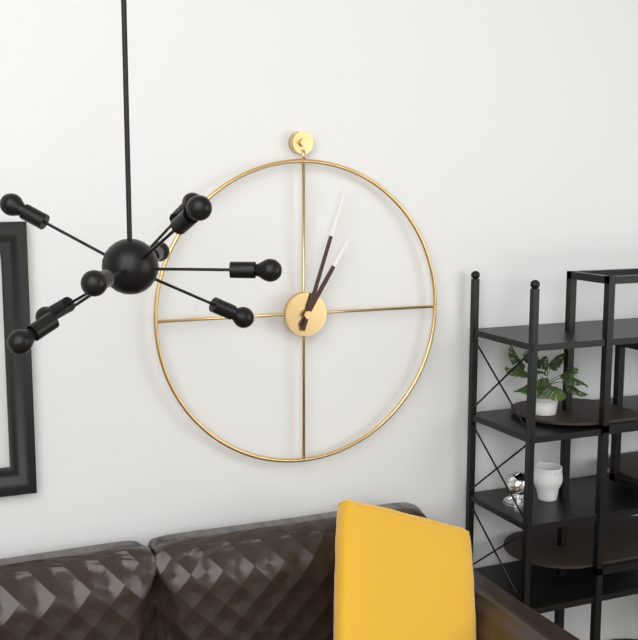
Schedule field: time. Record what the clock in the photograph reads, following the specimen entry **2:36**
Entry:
**1:03**
